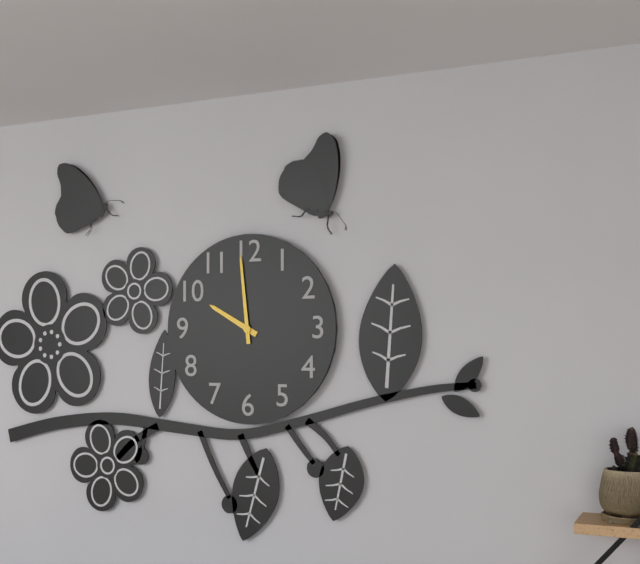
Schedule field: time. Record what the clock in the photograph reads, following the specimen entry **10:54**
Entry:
**9:59**
